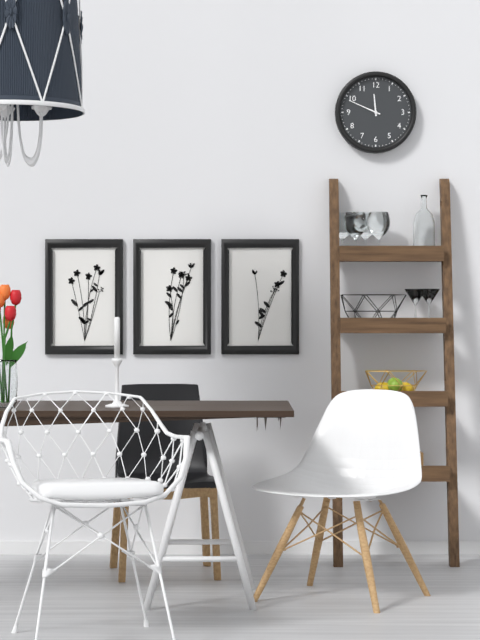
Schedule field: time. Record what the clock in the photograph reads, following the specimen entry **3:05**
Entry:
**11:49**
